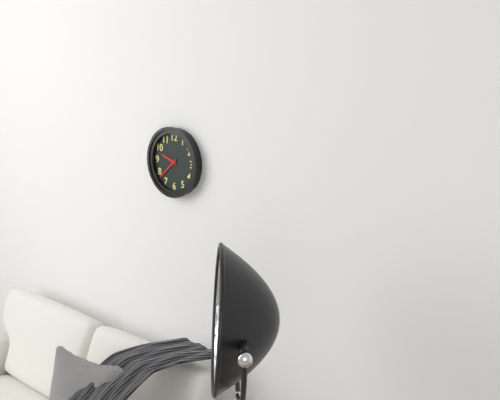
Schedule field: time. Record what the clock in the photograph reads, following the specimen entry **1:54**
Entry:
**9:38**
